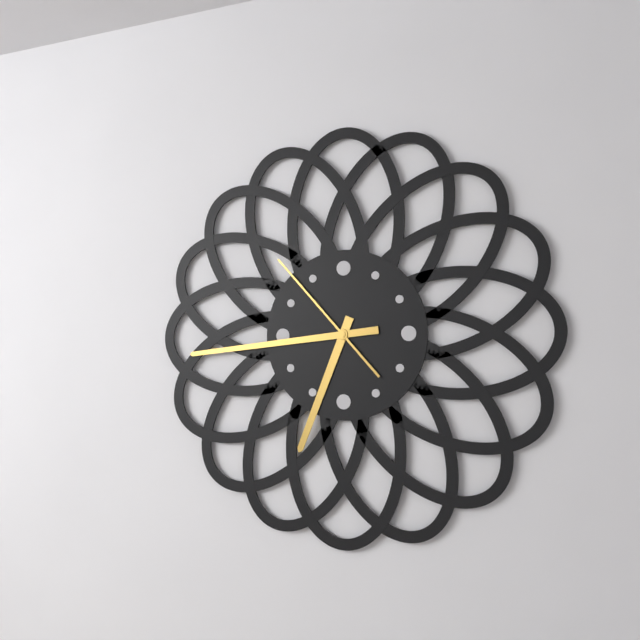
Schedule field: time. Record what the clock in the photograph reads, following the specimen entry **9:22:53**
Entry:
**6:44:53**
